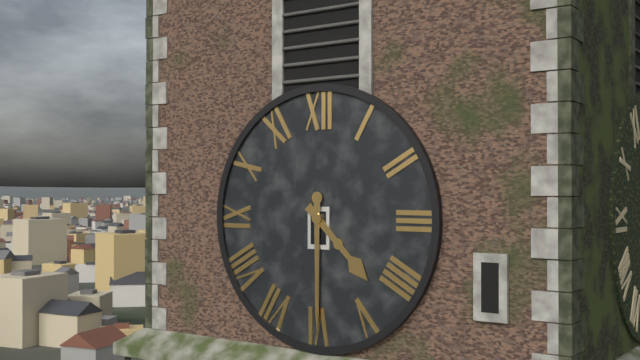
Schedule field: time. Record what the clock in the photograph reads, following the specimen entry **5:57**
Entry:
**4:30**
